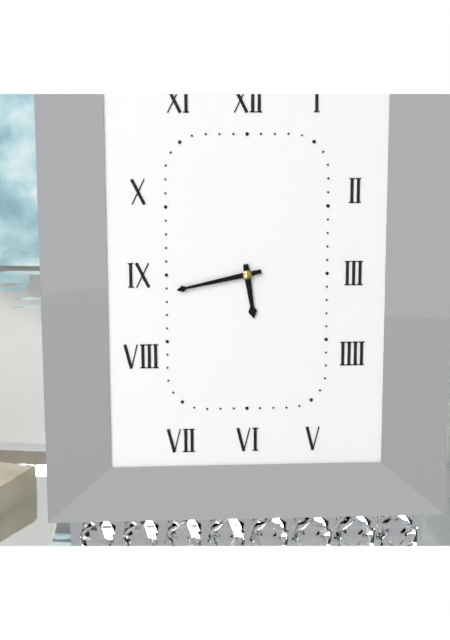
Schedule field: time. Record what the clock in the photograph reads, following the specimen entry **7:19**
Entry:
**5:43**
